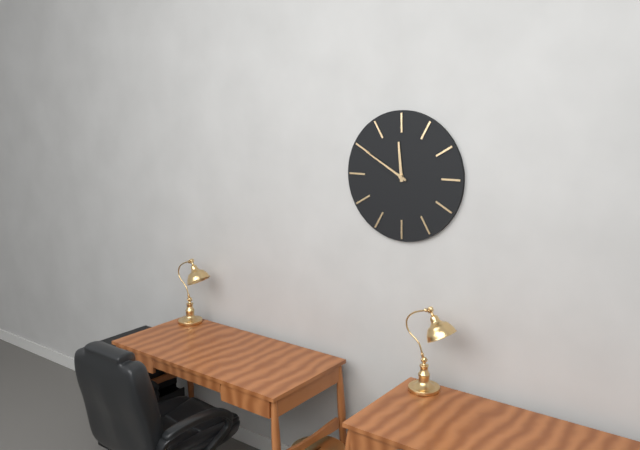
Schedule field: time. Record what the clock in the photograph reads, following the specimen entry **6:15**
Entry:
**11:50**
